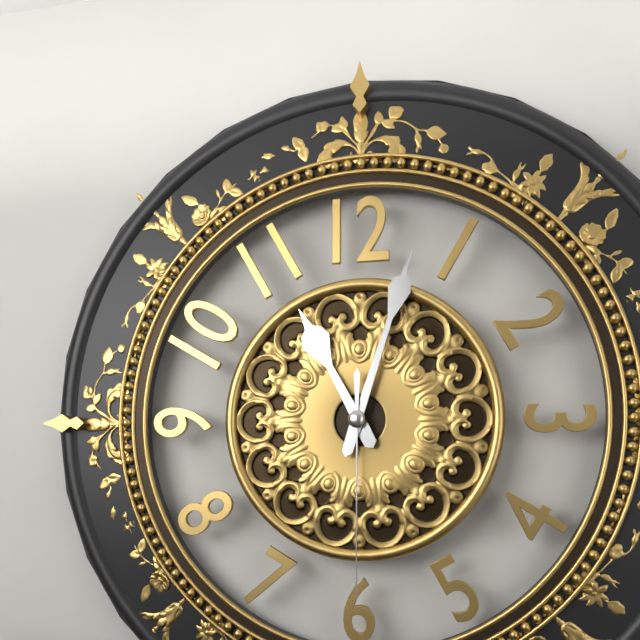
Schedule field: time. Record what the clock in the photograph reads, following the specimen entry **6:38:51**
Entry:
**11:03:30**
